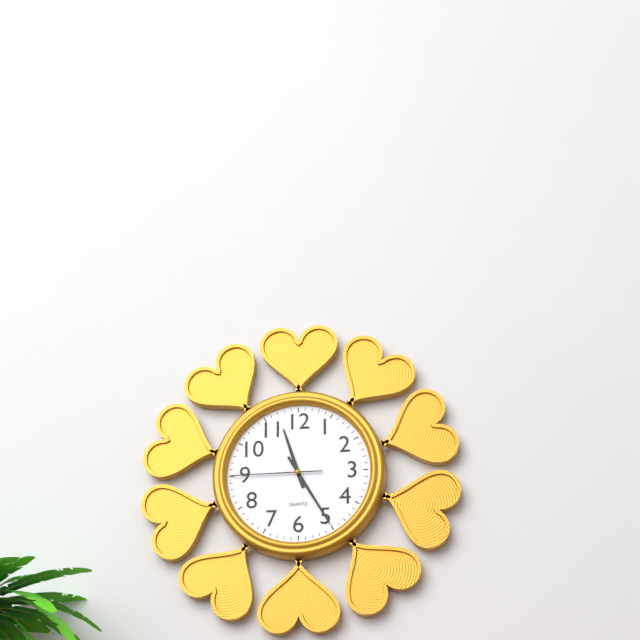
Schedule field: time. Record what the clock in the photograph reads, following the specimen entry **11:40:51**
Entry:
**11:25:45**
